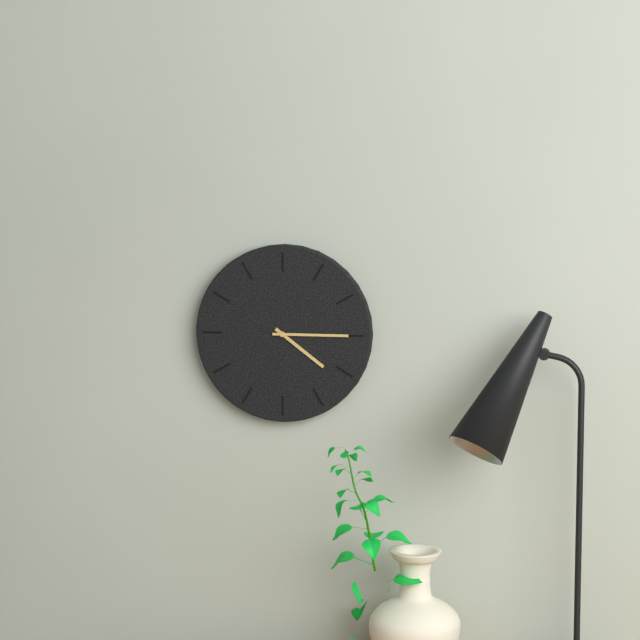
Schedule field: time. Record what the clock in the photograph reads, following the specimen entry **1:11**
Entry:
**4:15**
